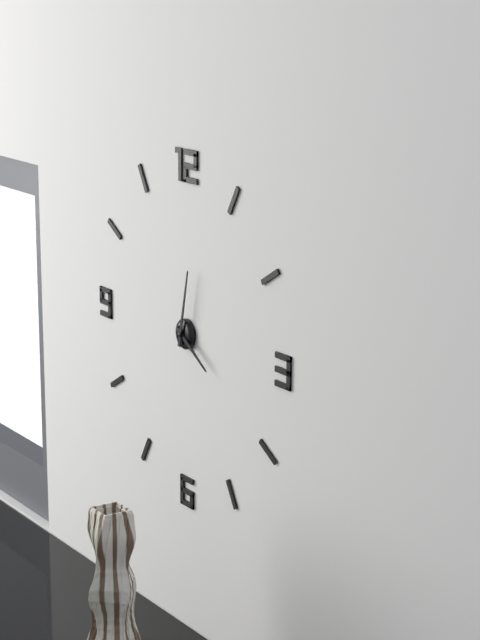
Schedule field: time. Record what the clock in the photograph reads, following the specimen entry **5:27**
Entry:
**4:02**
